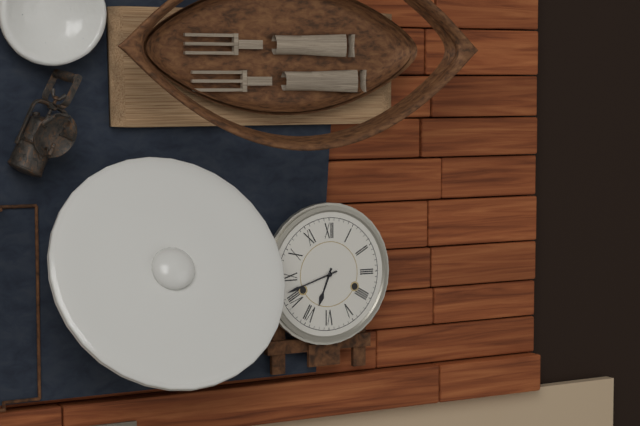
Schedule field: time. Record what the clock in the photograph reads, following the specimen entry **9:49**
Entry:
**6:42**
